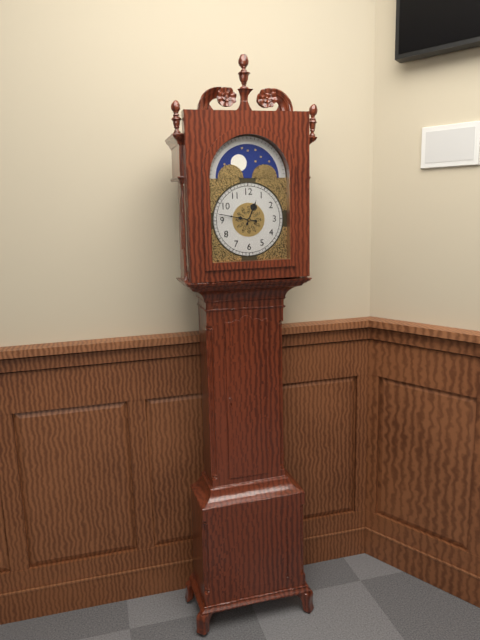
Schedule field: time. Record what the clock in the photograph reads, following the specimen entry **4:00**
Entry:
**12:47**
